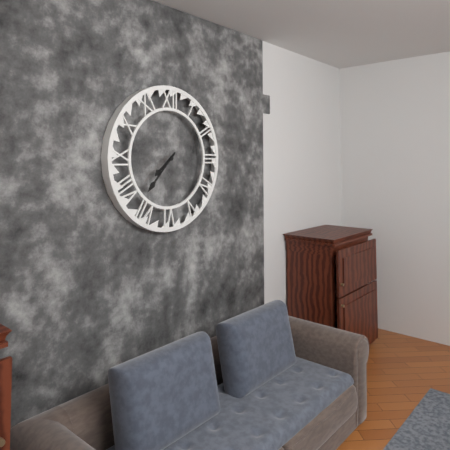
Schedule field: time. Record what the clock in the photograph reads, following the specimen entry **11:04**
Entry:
**7:37**
